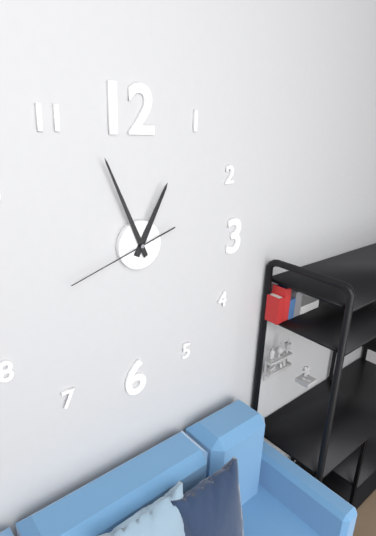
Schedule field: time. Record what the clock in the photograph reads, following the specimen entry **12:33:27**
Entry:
**12:56:42**
